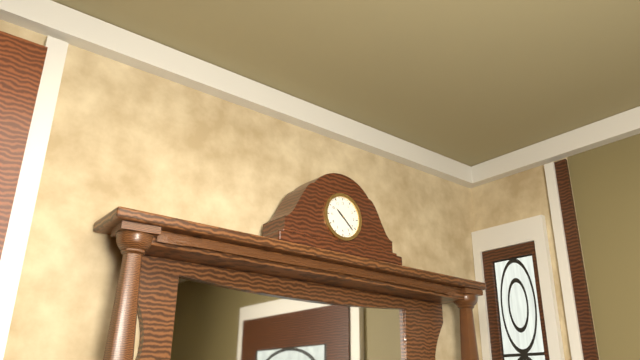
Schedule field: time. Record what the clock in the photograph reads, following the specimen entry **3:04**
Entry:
**10:22**
